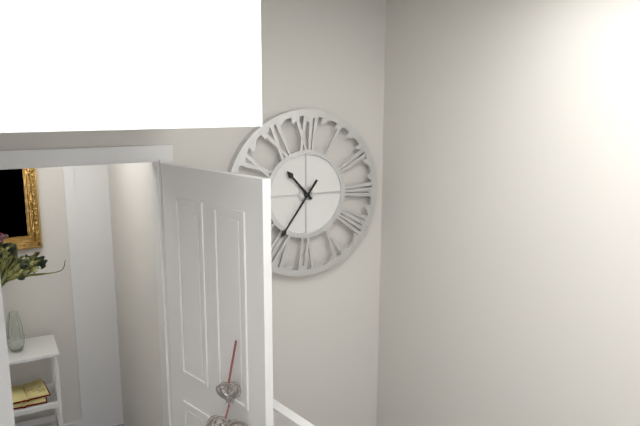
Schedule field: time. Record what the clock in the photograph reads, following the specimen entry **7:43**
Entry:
**10:36**
